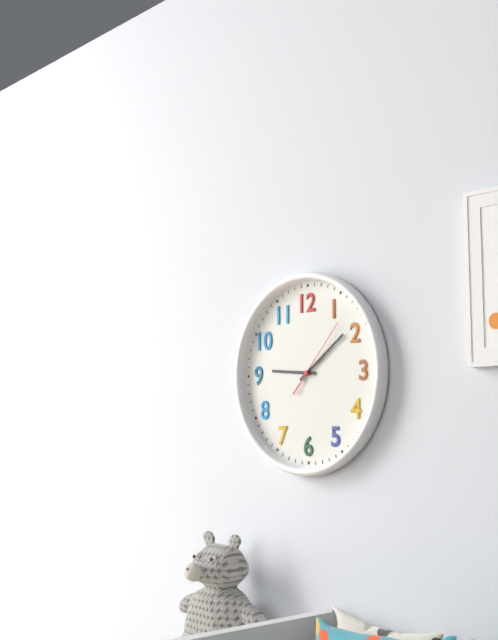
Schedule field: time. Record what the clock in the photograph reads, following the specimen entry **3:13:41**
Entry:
**9:09:07**
